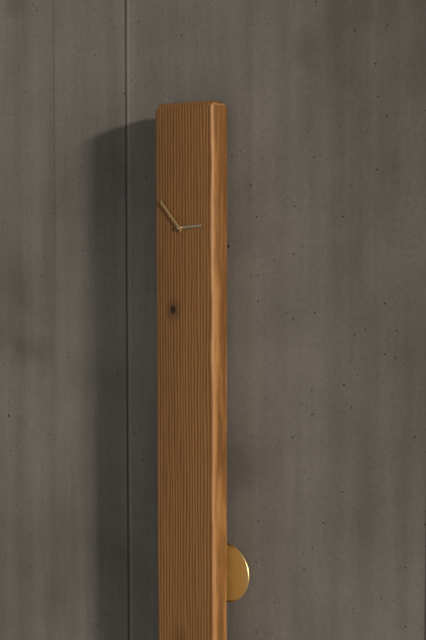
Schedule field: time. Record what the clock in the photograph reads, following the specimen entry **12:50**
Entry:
**2:53**
